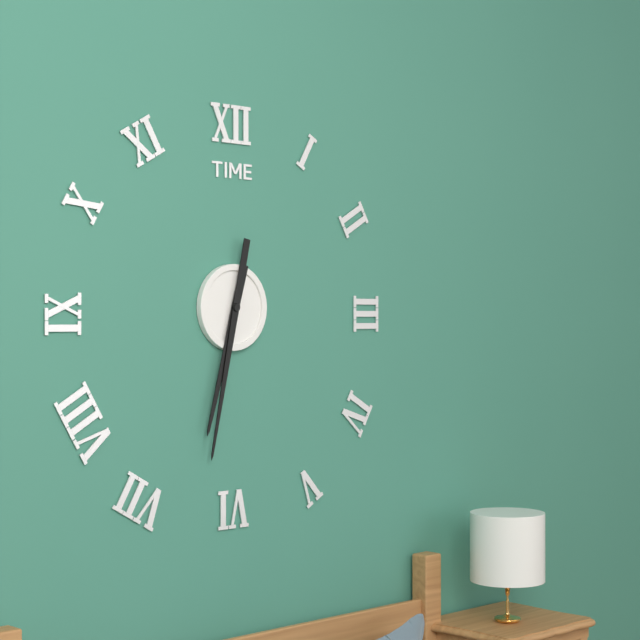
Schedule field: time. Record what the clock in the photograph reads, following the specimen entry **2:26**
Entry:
**6:32**
